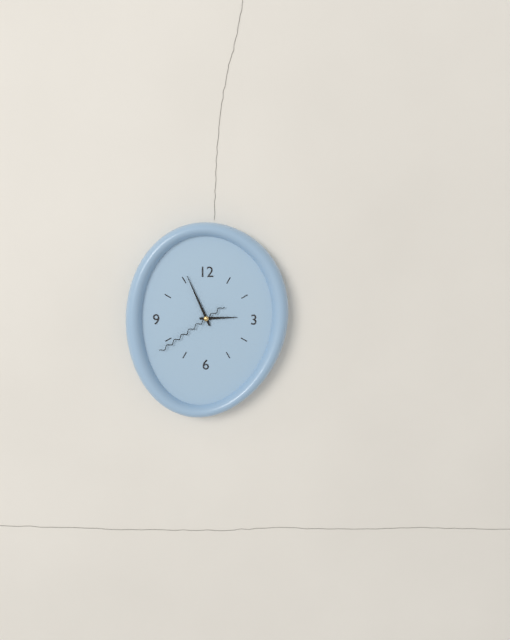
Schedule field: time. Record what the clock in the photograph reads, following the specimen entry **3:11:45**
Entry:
**2:56:39**
